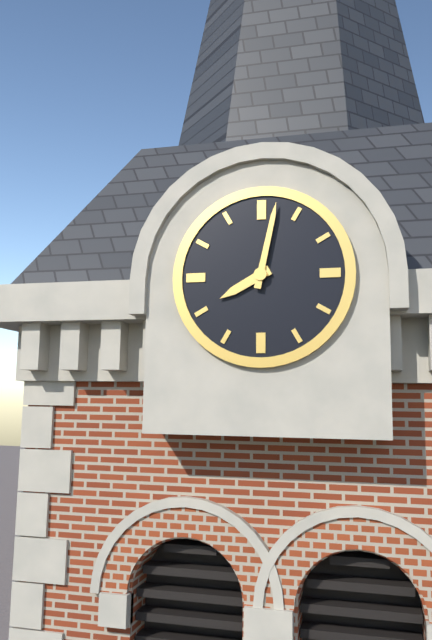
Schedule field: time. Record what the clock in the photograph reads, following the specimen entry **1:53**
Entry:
**8:02**
